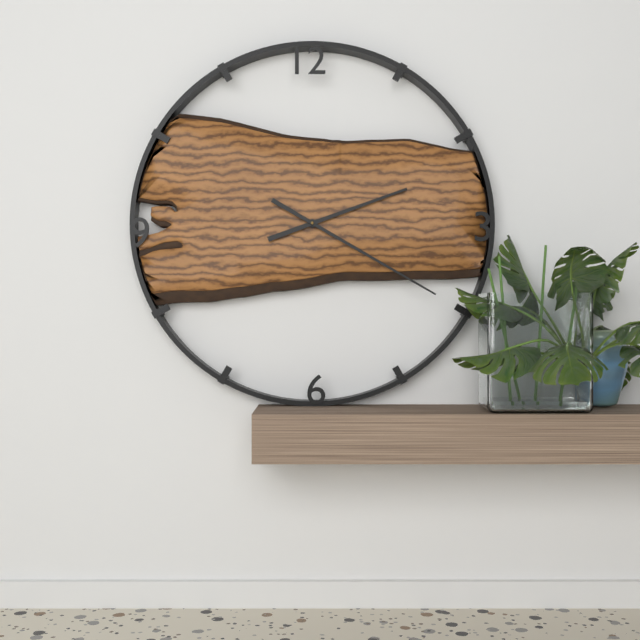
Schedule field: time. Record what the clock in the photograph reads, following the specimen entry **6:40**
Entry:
**2:20**
